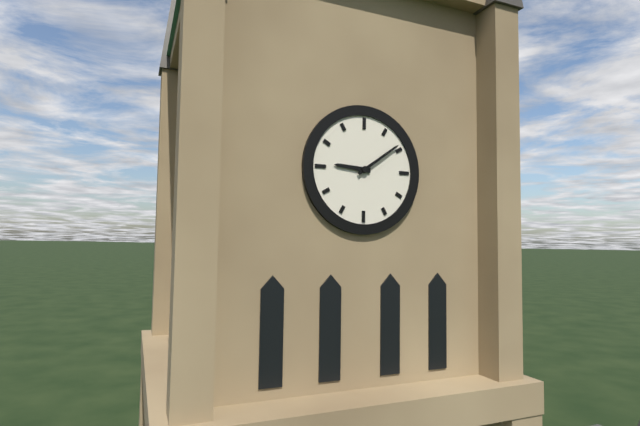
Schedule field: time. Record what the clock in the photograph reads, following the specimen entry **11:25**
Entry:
**9:09**
